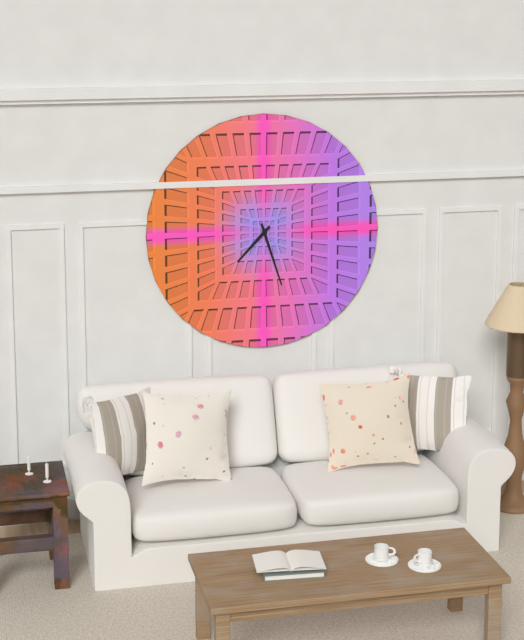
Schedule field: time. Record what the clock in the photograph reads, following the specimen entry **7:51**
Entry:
**7:27**
